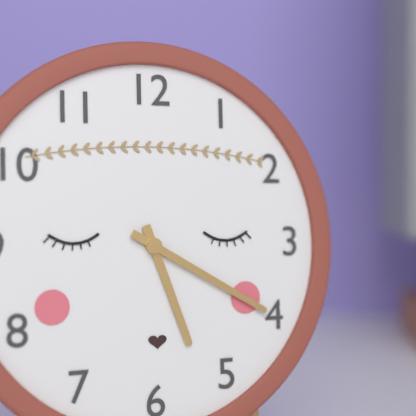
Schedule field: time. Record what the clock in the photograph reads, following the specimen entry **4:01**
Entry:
**5:20**
